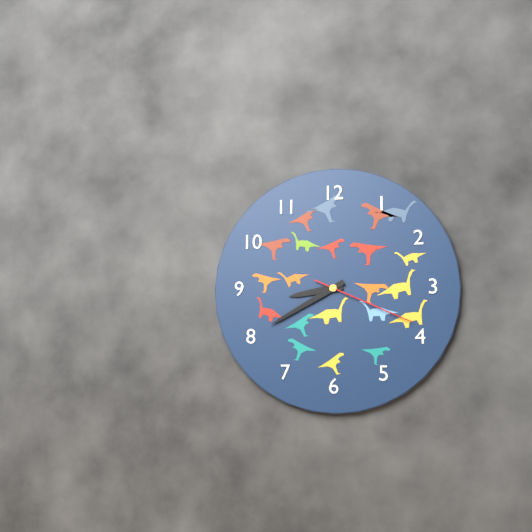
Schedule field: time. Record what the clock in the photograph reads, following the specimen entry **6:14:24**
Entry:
**8:40:19**
